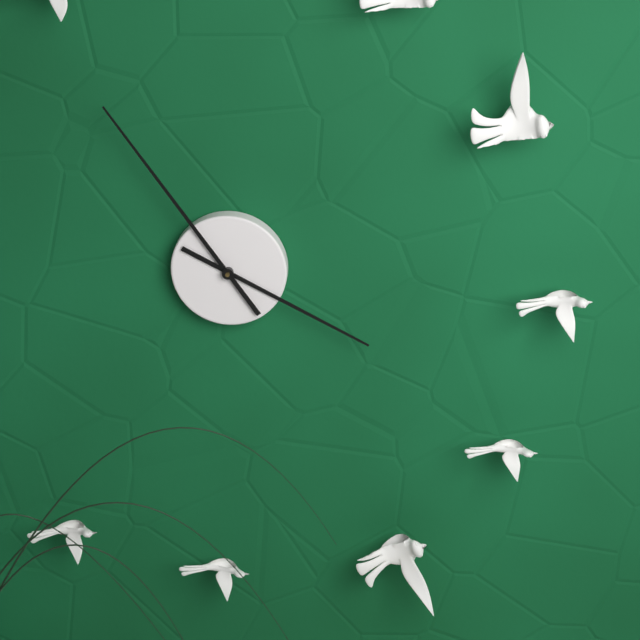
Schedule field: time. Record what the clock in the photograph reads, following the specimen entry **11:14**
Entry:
**3:54**
